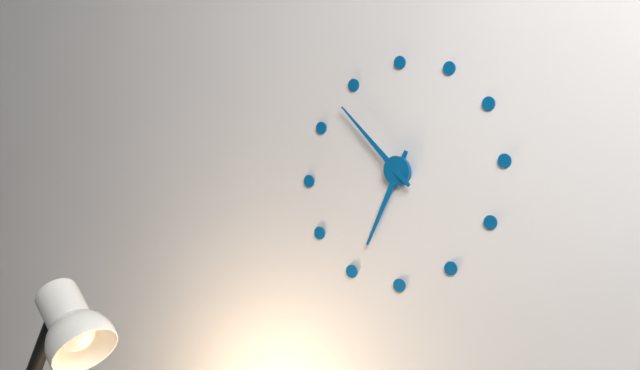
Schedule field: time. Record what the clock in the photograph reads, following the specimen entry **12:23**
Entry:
**6:53**
